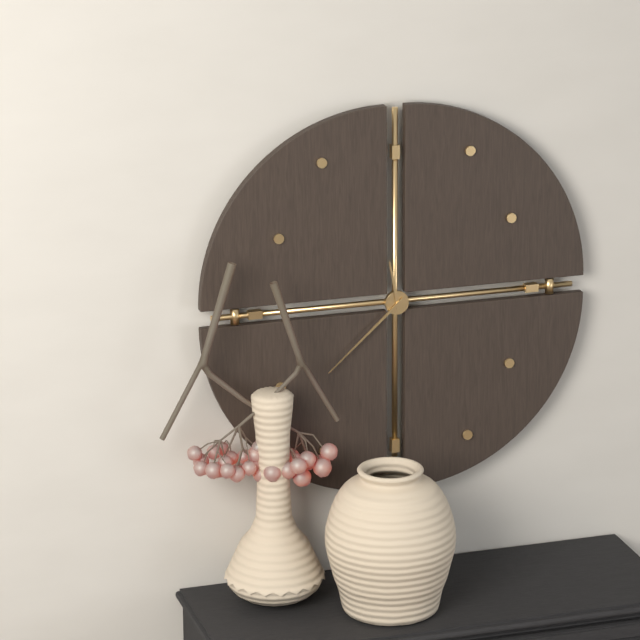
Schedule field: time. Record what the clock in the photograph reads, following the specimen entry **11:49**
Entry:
**11:38**
